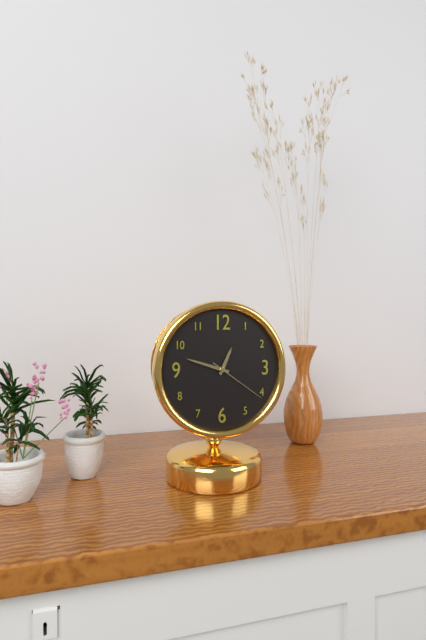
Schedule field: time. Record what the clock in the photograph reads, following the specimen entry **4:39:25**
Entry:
**12:48:21**
